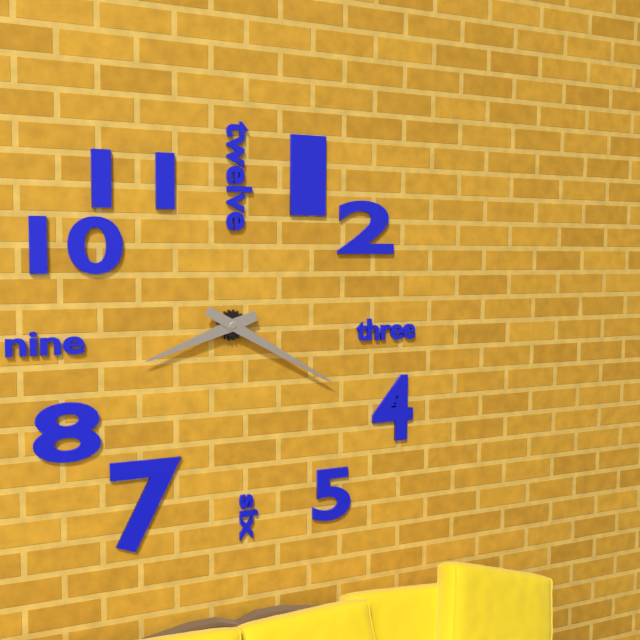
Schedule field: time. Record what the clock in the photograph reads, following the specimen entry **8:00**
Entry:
**8:20**
